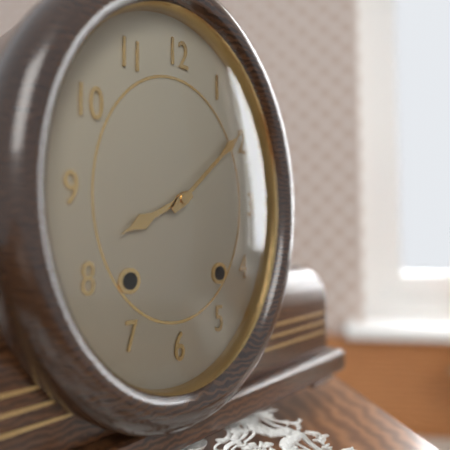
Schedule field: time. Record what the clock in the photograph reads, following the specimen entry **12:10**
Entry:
**8:08**
